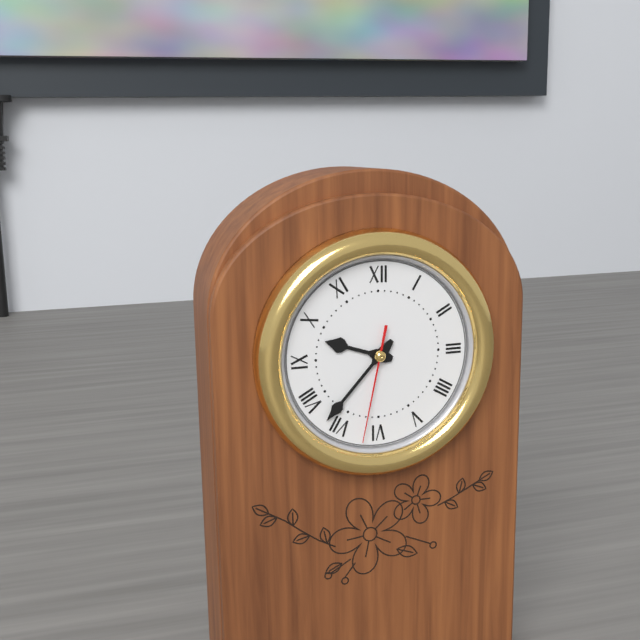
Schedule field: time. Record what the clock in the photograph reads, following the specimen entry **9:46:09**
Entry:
**9:37:32**
